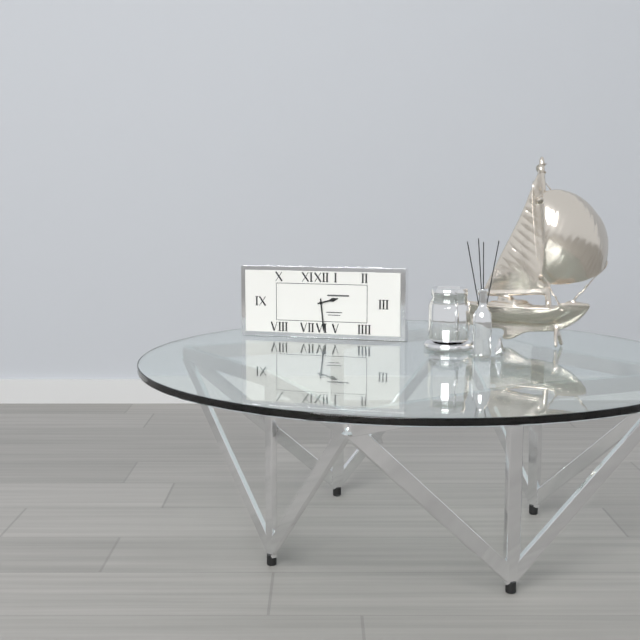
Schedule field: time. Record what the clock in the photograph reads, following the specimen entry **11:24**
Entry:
**2:29**
